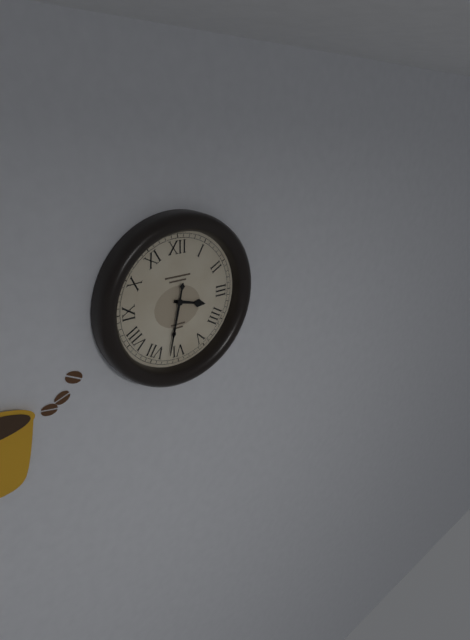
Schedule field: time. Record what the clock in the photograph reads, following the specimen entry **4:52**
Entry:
**3:32**
